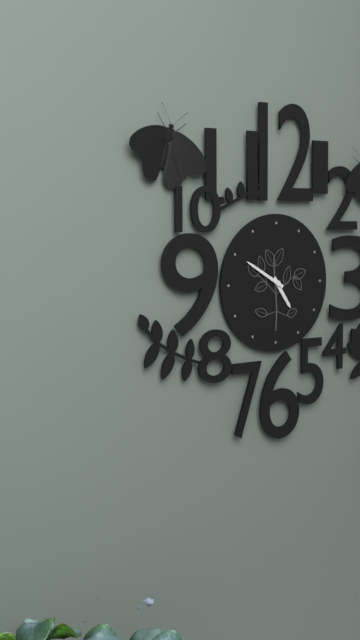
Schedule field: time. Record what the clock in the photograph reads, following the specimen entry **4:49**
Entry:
**4:50**
